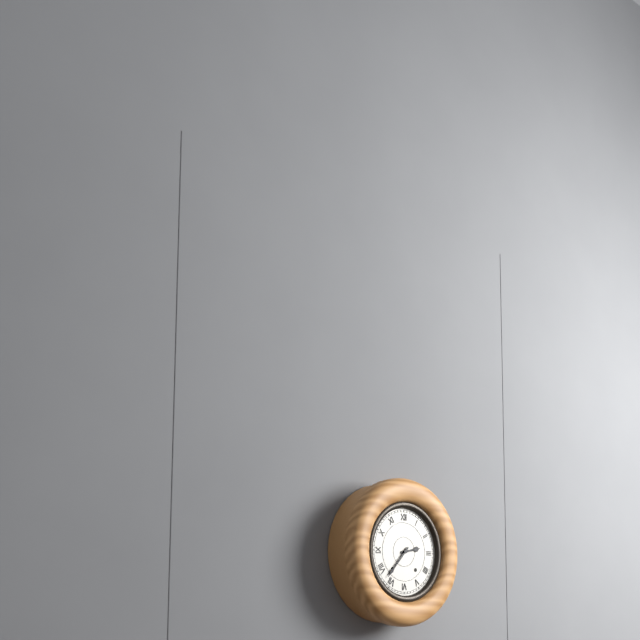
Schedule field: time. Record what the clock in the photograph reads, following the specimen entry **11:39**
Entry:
**2:37**
